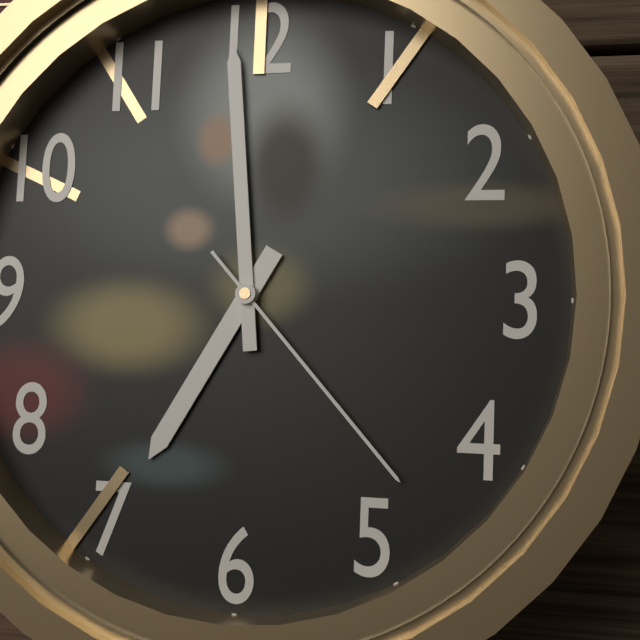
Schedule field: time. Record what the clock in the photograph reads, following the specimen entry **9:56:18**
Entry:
**6:59:23**
